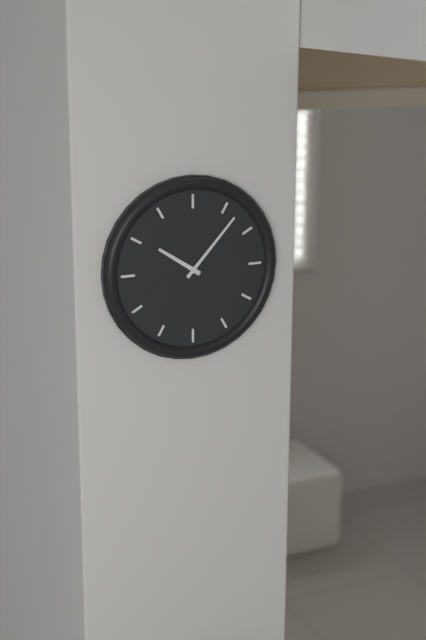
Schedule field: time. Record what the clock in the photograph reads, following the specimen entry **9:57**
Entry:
**10:07**
